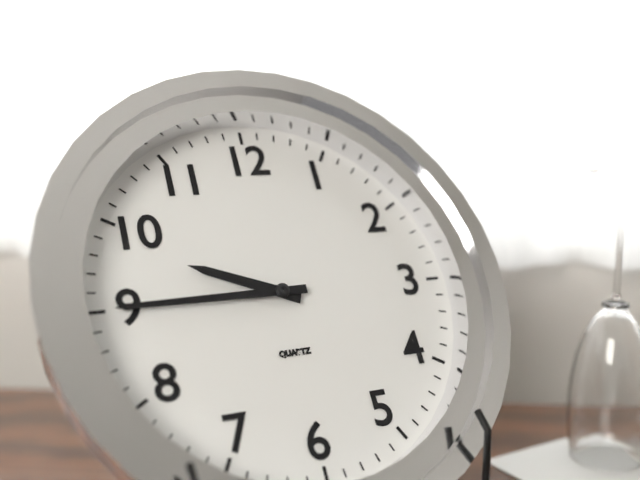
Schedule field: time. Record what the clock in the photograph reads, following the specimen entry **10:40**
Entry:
**9:45**
